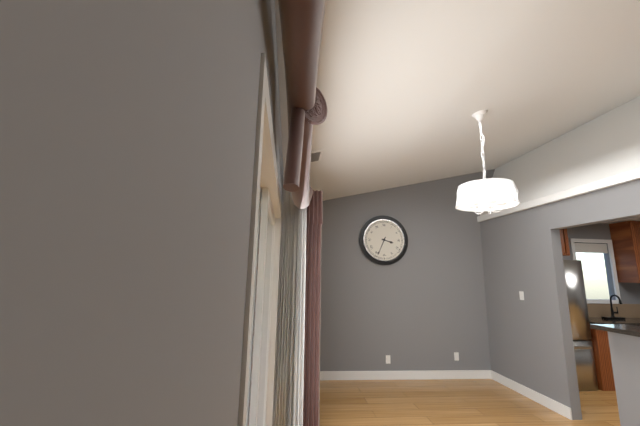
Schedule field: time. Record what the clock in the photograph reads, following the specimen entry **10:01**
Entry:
**3:34**
